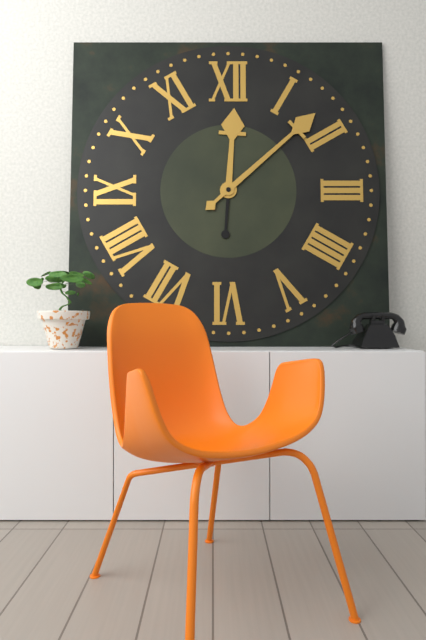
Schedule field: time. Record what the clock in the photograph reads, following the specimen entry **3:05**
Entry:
**12:08**
